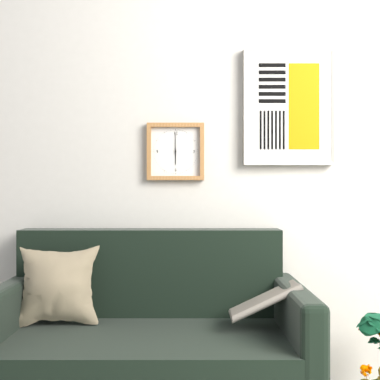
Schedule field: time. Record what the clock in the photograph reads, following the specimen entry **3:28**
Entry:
**6:00**
